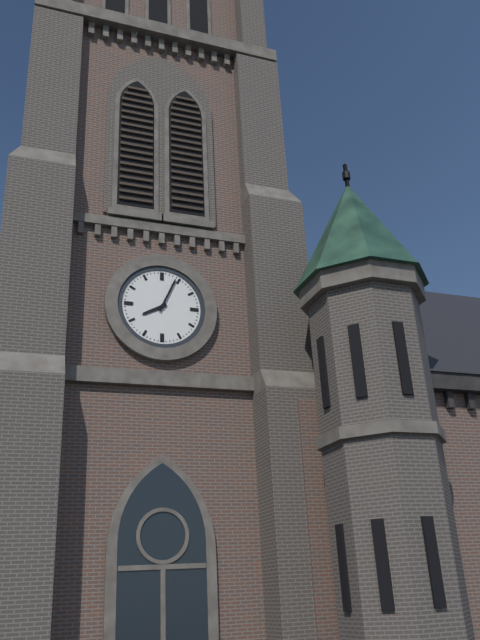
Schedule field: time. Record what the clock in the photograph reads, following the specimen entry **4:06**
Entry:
**8:04**
